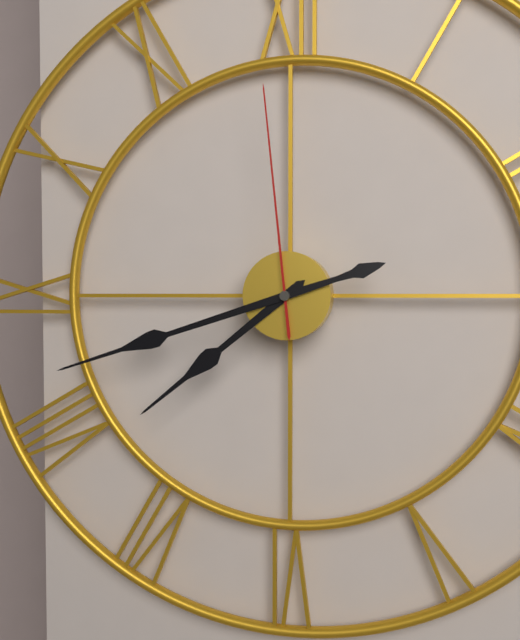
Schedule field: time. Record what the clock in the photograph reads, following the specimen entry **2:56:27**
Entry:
**7:42:59**
